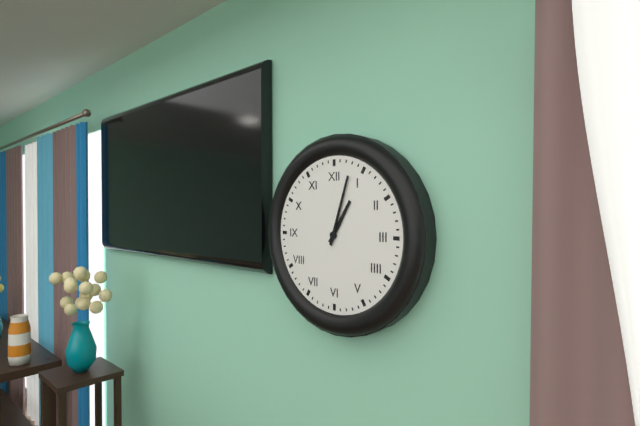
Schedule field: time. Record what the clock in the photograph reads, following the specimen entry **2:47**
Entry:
**1:03**
